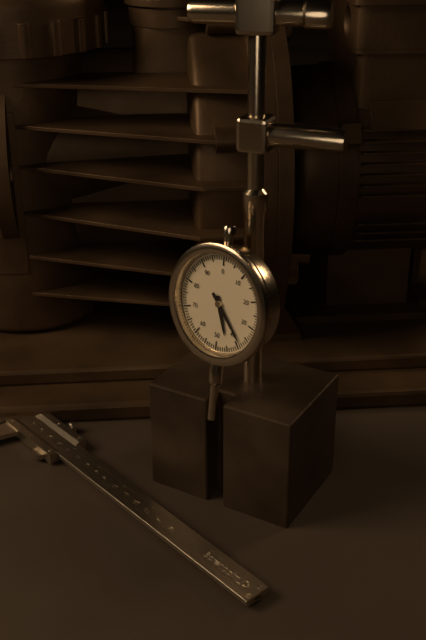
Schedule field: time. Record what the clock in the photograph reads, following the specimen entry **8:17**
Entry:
**5:23**
